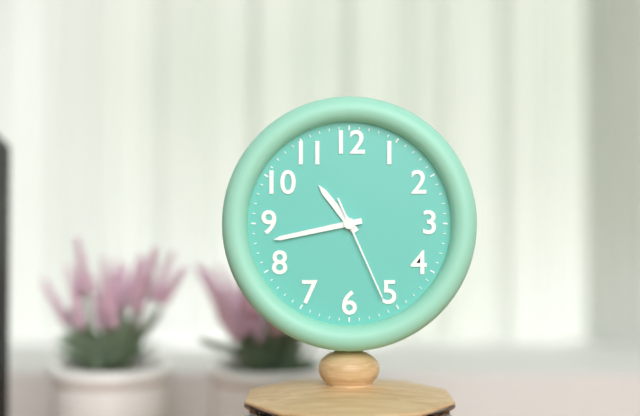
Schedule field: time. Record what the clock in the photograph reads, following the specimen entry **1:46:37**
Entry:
**10:43:26**
